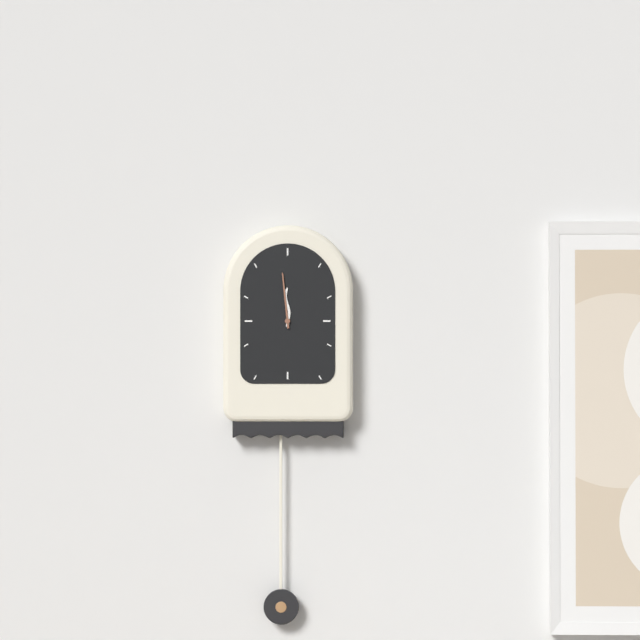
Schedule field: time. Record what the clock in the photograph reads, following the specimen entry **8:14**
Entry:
**11:59**
